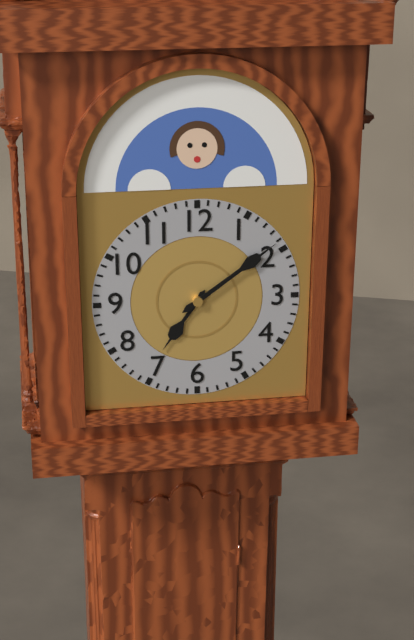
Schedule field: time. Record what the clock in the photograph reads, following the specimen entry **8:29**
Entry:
**7:09**
